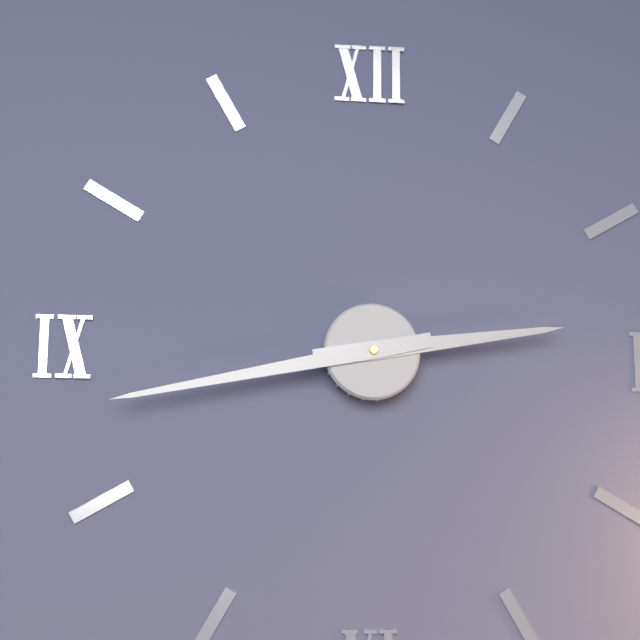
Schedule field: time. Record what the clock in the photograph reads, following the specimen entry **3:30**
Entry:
**2:43**
